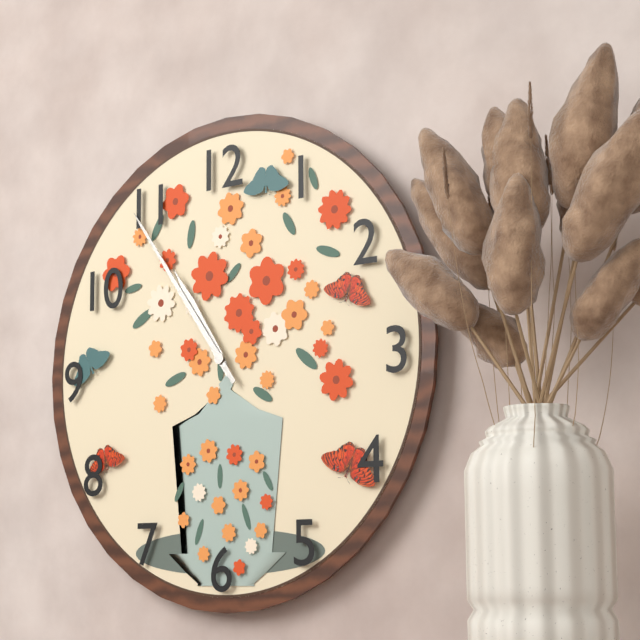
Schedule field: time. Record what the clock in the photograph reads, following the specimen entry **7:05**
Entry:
**10:54**
